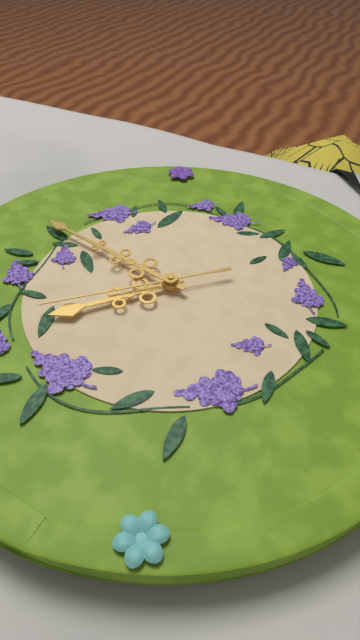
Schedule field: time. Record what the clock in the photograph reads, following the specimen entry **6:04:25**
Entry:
**7:49:40**
